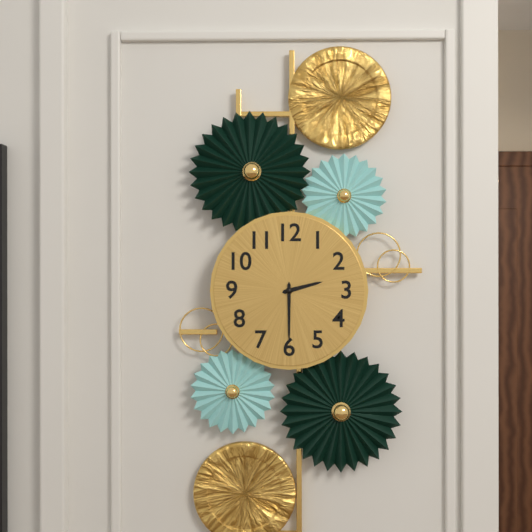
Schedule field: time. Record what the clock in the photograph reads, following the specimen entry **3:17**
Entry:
**2:30**
